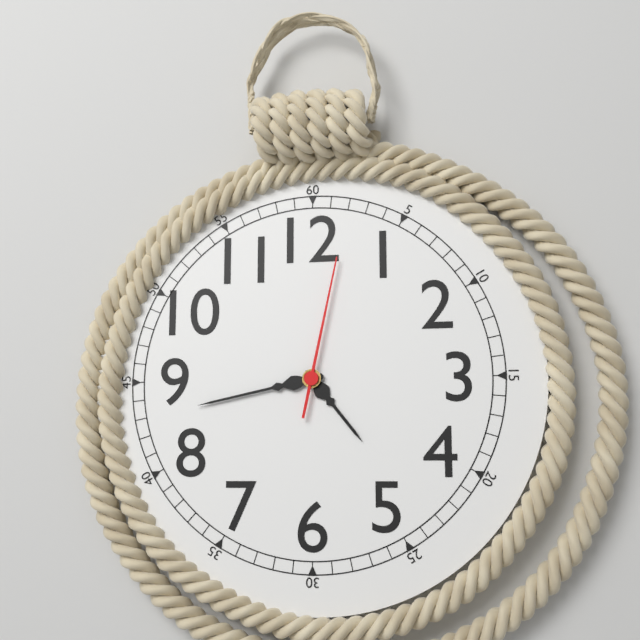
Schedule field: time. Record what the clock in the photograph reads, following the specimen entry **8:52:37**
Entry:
**4:43:02**
